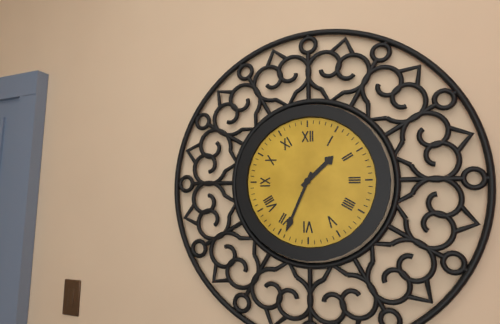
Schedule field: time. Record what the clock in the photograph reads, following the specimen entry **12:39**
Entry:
**1:34**
